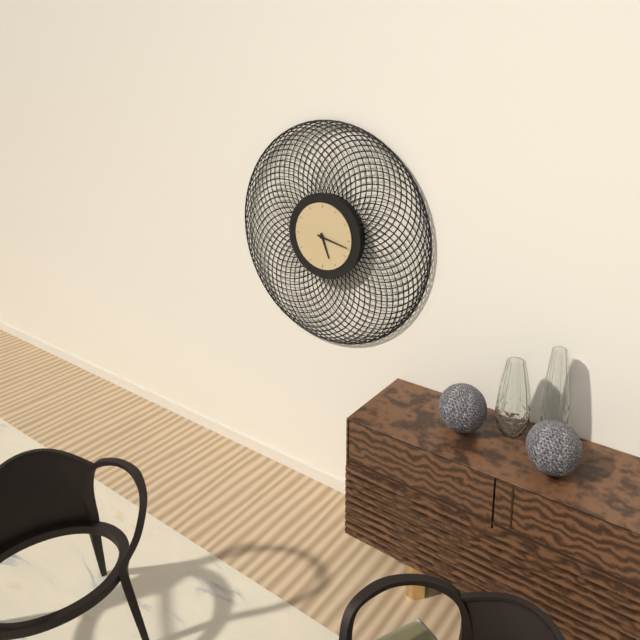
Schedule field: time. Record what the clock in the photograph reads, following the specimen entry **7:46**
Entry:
**5:17**
